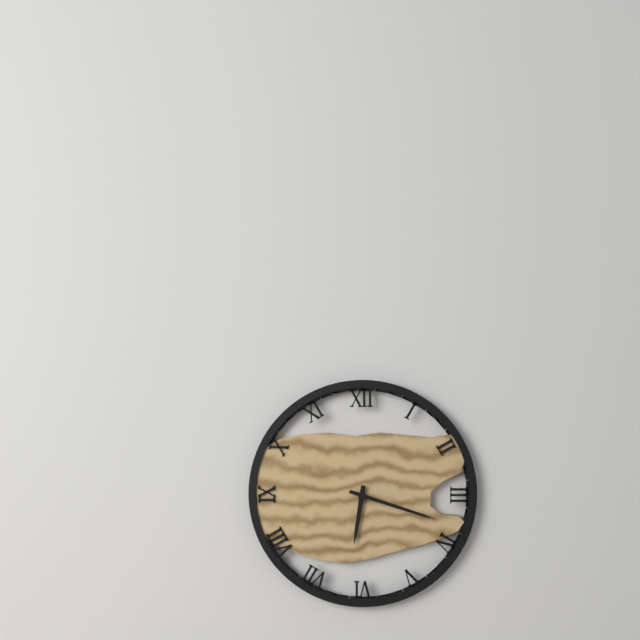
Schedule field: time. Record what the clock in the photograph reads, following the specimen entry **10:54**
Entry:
**6:18**
